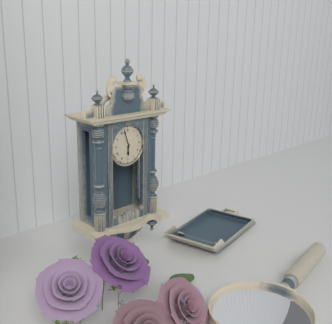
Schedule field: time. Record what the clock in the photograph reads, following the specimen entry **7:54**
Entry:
**5:57**
